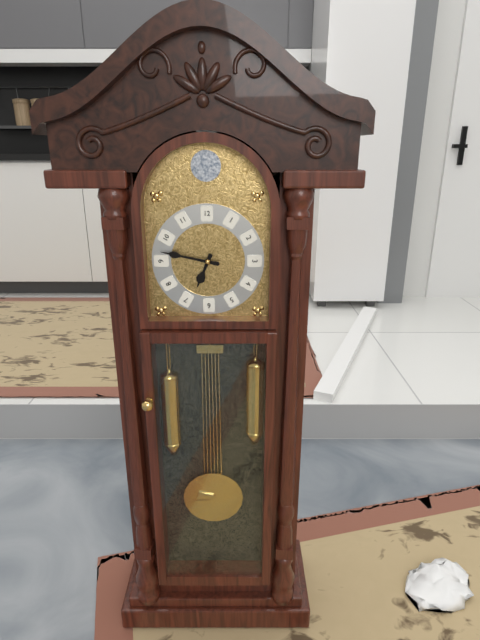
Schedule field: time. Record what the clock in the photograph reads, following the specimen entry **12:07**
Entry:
**6:47**
